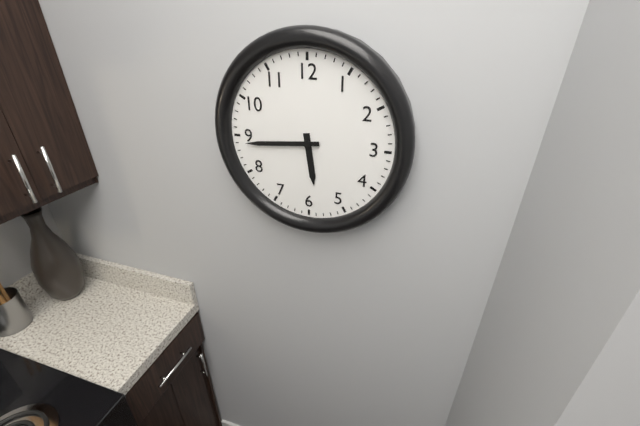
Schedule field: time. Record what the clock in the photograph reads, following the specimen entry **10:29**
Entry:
**5:44**
